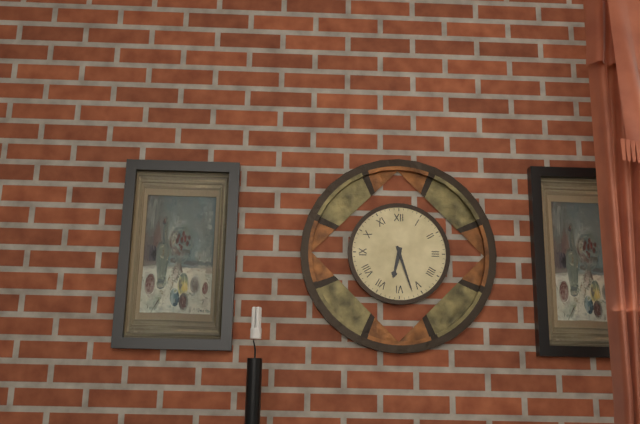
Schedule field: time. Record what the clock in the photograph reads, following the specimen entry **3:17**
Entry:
**6:27**
